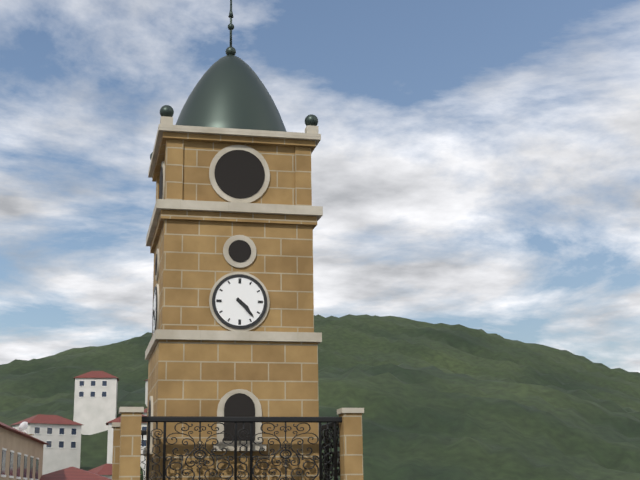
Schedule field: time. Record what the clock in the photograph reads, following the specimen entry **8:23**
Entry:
**4:23**
